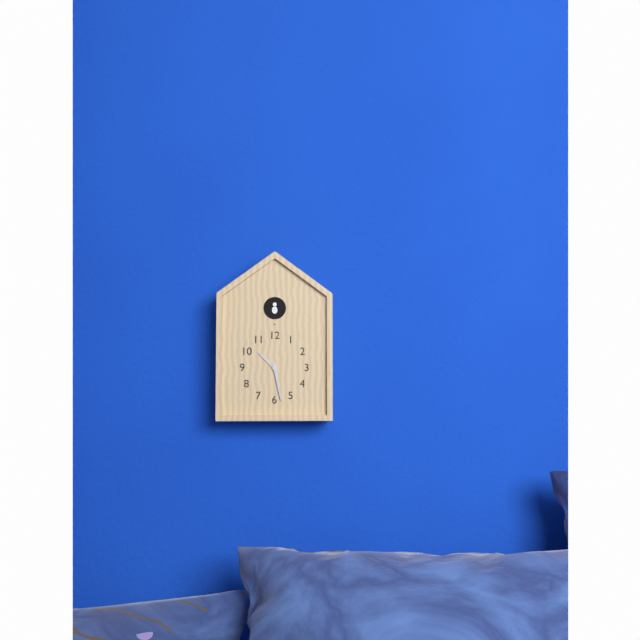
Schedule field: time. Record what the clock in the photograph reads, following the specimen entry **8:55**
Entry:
**10:28**
